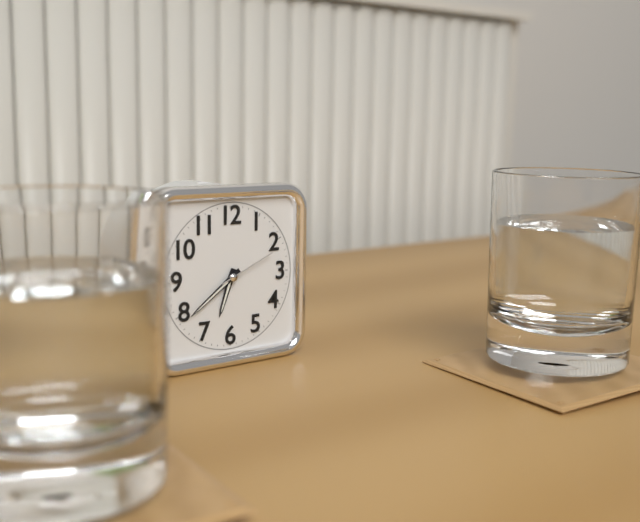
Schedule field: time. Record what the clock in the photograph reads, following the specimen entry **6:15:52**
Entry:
**6:39:11**
